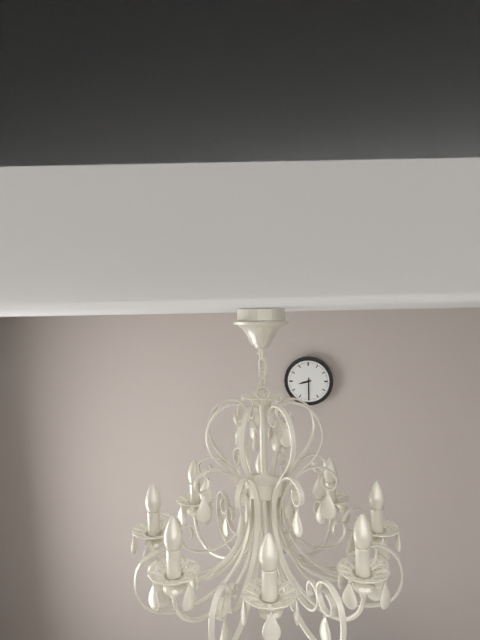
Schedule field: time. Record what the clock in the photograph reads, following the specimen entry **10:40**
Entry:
**8:30**
